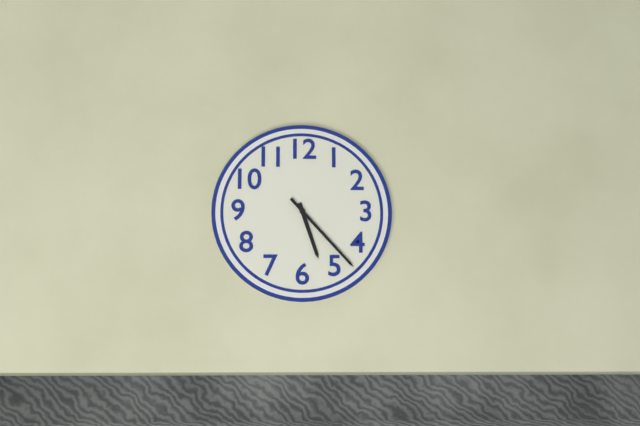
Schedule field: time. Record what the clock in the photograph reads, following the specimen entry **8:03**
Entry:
**5:23**
